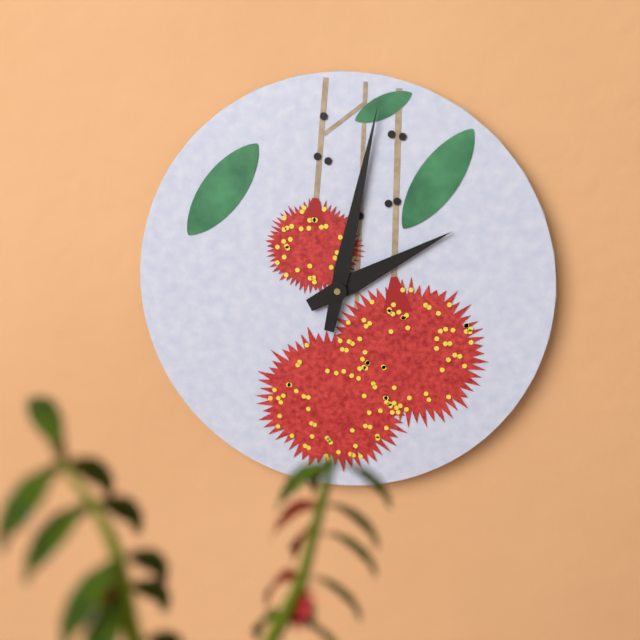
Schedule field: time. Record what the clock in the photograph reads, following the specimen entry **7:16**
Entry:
**2:02**
